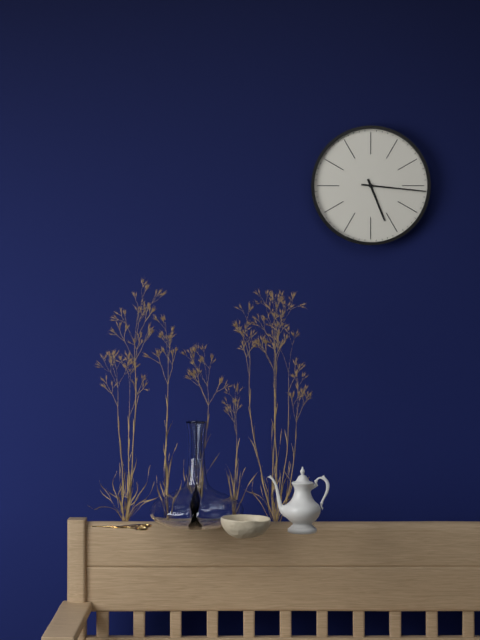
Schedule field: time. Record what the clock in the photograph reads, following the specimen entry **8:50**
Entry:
**5:16**
